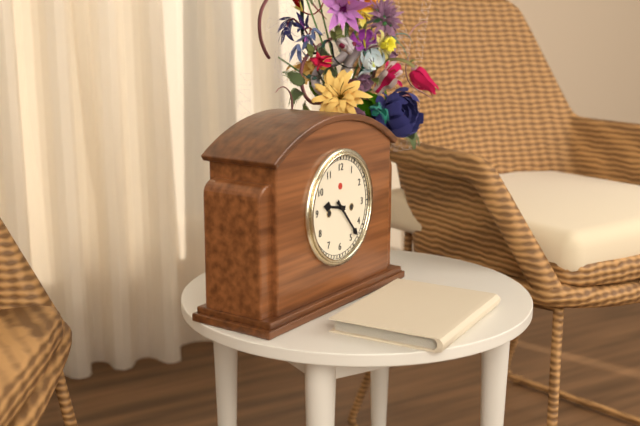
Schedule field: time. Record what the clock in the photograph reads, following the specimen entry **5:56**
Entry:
**9:23**
